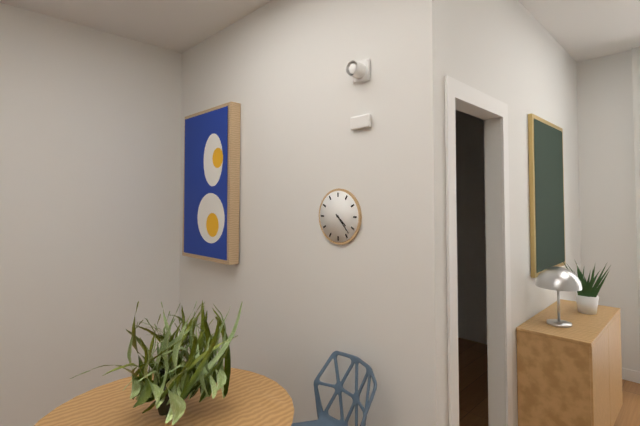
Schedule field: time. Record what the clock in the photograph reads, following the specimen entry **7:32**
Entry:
**4:23**
